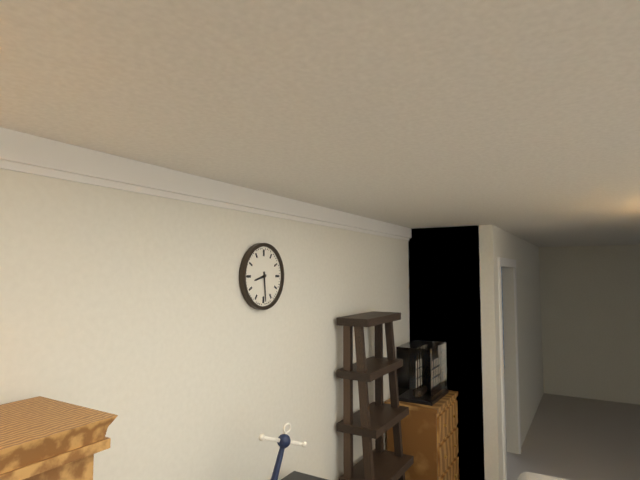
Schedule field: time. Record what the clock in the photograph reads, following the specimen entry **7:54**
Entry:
**8:29**
